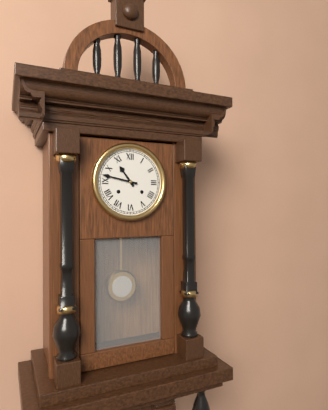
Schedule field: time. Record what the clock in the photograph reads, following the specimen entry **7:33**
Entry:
**10:47**
